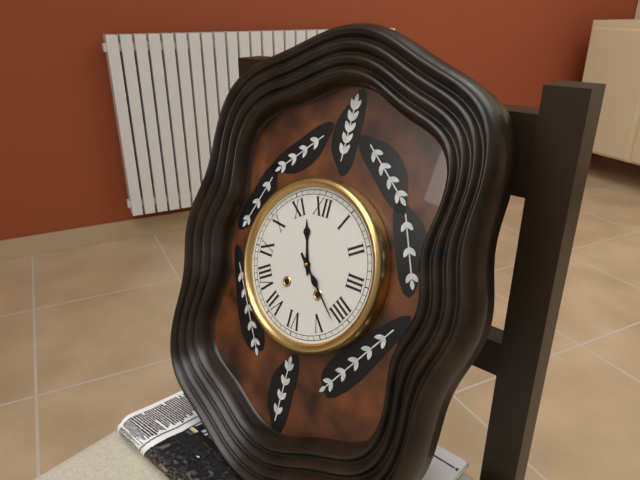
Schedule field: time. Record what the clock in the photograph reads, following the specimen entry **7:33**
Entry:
**11:22**
